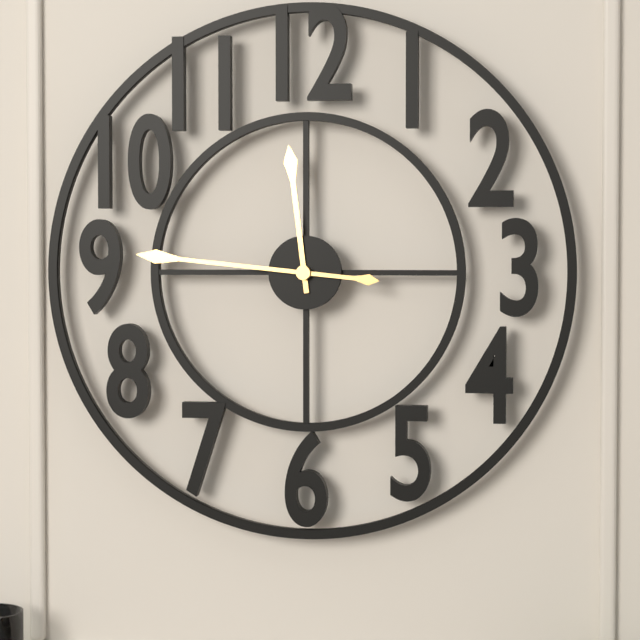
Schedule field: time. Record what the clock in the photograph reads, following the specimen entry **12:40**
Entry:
**11:46**
